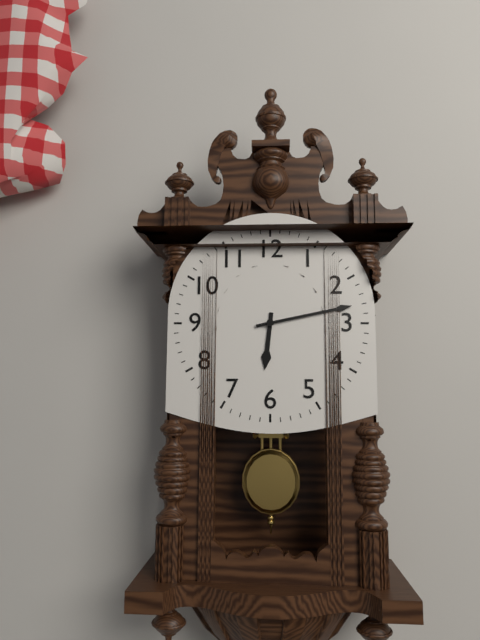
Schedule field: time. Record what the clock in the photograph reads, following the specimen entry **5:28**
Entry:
**6:13**
